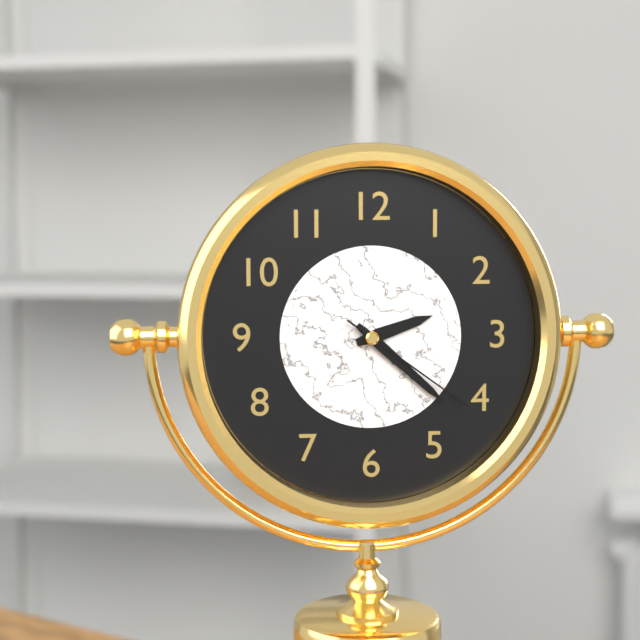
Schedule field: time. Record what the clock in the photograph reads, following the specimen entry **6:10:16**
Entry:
**2:22:21**
